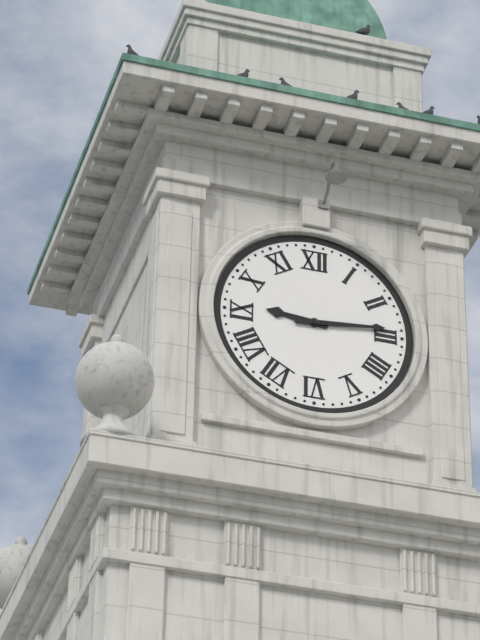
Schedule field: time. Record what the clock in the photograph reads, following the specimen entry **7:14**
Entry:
**9:14**
